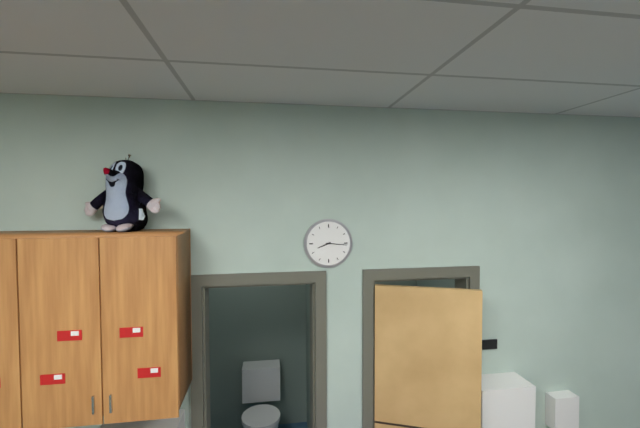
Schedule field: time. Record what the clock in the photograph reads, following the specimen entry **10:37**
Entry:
**8:16**
